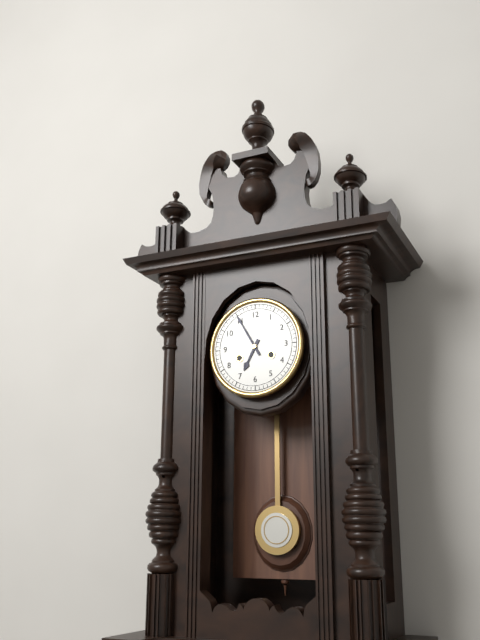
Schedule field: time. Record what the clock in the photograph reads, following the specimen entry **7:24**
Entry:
**6:55**
